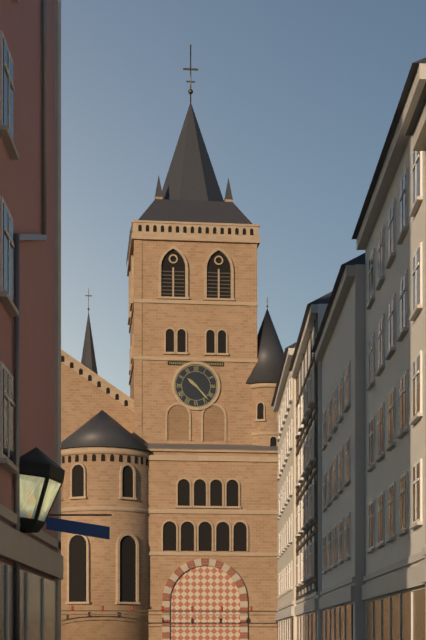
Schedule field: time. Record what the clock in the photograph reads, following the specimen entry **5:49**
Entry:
**10:23**
